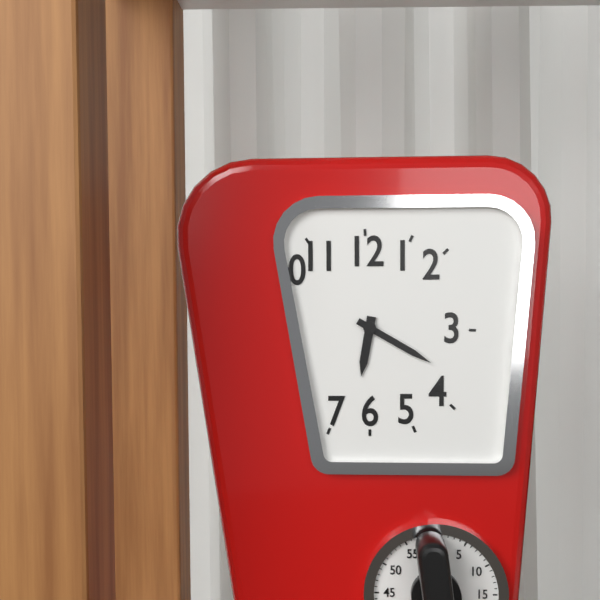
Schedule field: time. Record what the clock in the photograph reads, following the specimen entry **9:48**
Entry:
**6:20**
